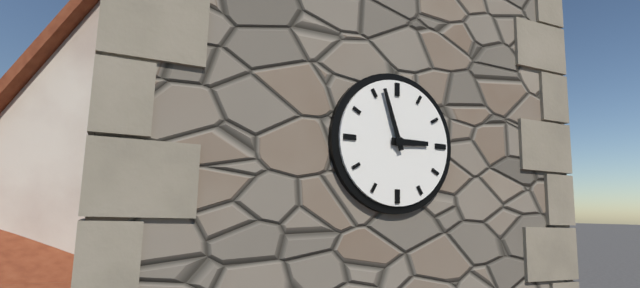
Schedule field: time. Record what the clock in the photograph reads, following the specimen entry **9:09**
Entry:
**2:57**
